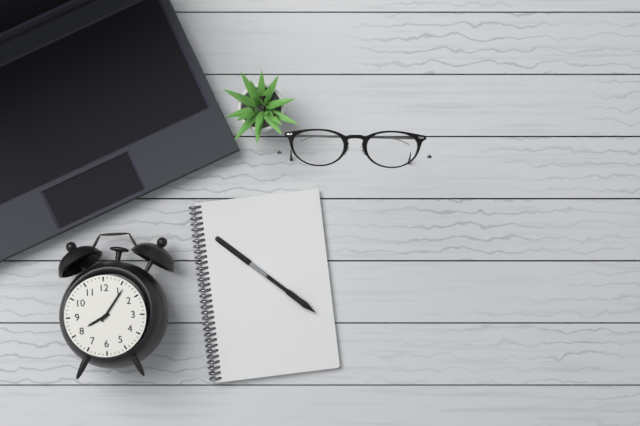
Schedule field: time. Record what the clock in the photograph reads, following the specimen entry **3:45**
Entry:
**8:06**
